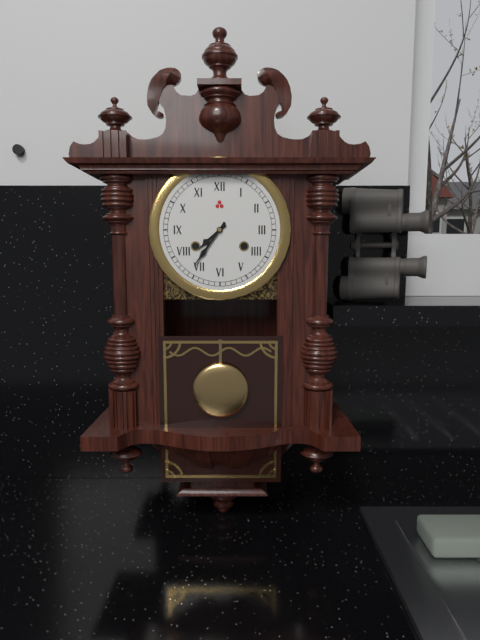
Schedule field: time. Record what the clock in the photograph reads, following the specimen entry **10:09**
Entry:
**7:36**
